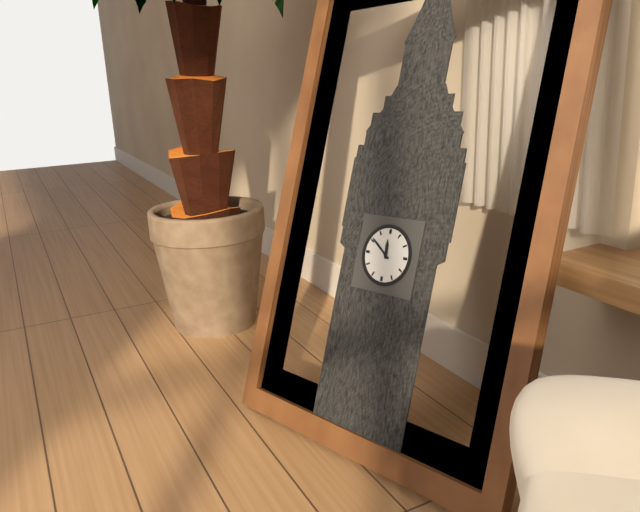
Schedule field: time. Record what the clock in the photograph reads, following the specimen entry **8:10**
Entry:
**11:51**
